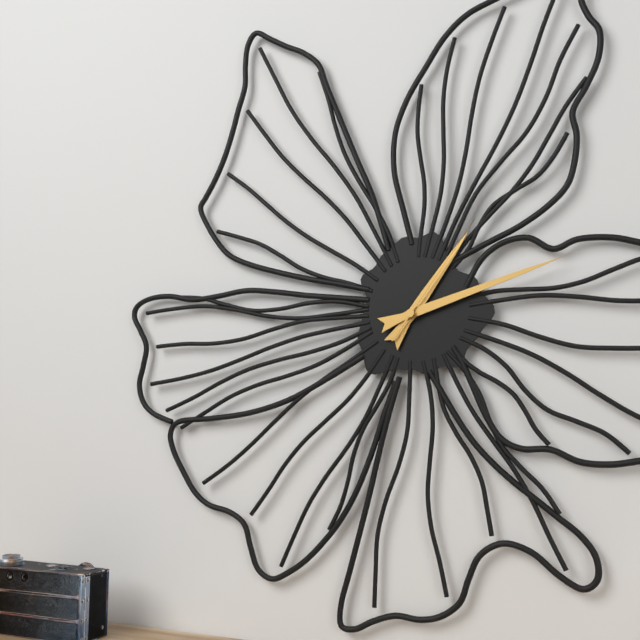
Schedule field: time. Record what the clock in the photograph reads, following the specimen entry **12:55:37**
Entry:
**1:12:06**
